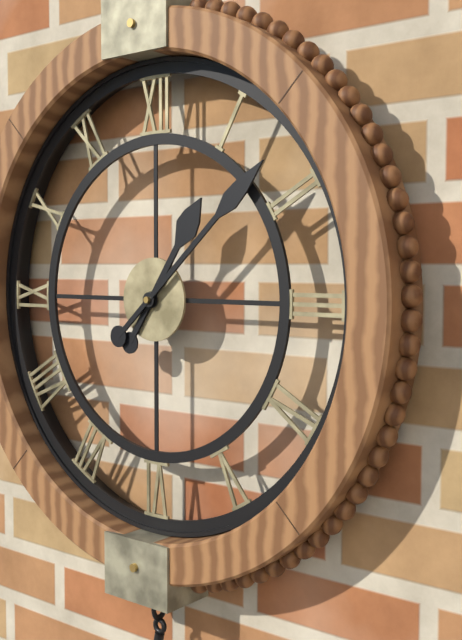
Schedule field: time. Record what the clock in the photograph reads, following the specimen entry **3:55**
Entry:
**1:08**
